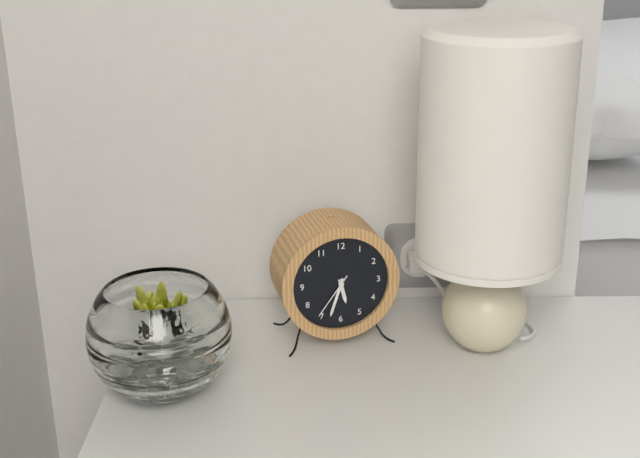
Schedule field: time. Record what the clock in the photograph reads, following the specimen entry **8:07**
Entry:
**5:33**
